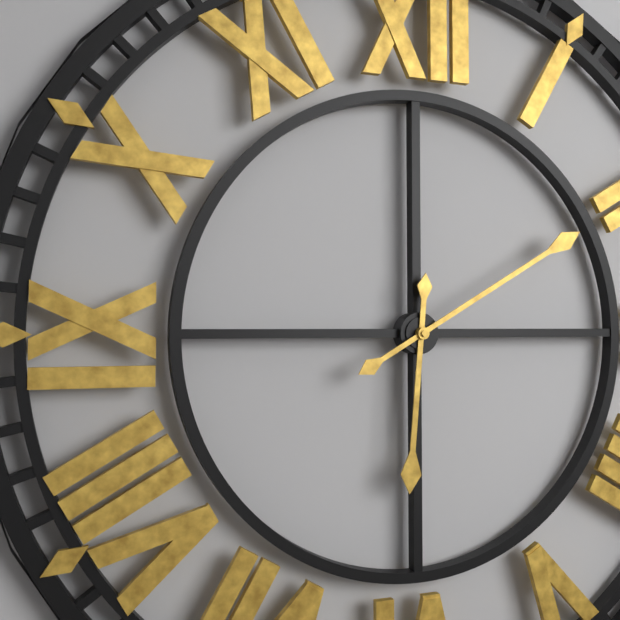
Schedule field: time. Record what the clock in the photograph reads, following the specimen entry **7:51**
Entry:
**6:10**
